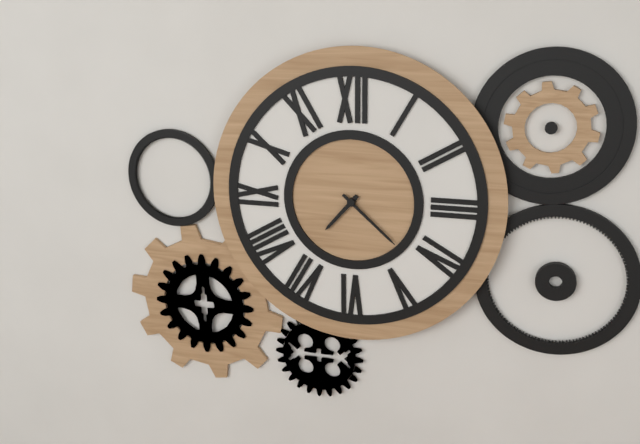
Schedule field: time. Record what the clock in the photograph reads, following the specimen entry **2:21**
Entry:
**7:22**
